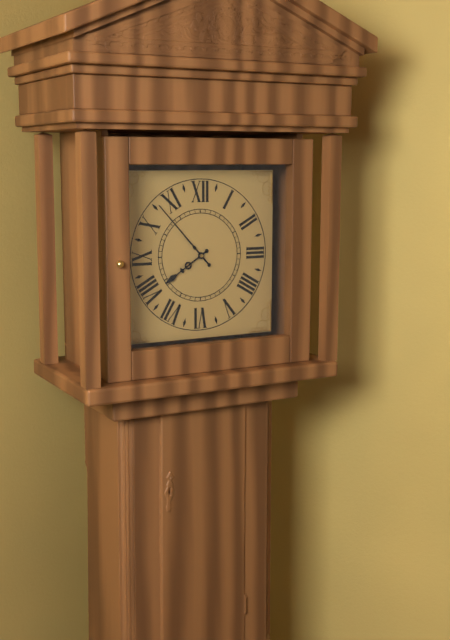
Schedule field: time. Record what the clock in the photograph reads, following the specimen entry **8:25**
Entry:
**7:53**
